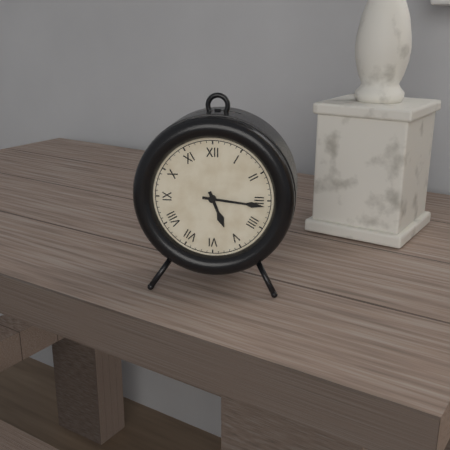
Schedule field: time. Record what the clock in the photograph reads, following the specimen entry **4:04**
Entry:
**5:16**
